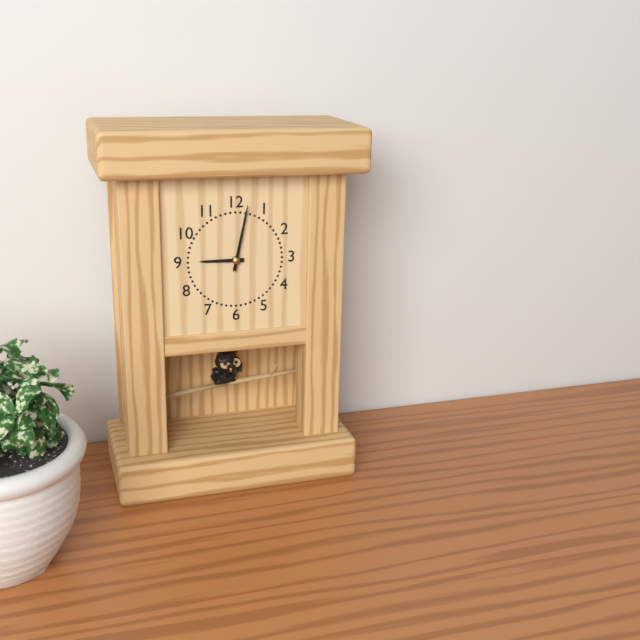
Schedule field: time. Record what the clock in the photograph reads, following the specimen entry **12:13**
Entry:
**9:02**
